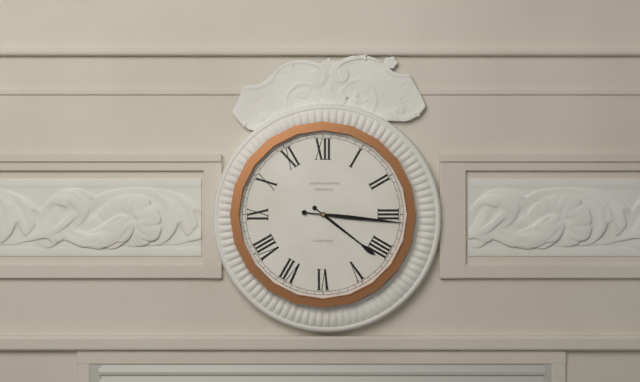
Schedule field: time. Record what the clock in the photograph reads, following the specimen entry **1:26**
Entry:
**4:16**
